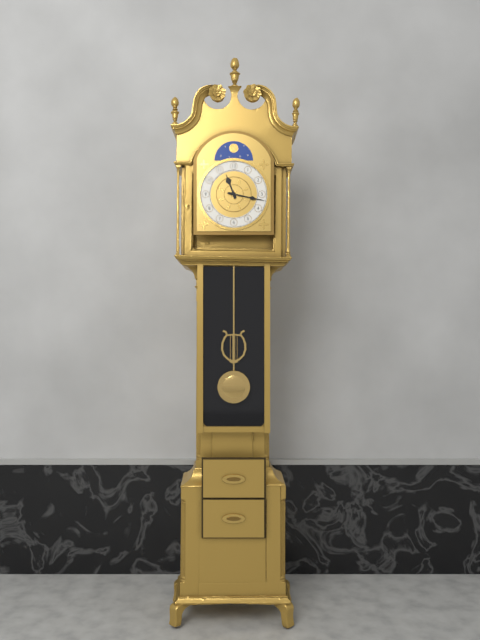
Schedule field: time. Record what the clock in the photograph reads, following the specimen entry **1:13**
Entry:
**11:17**
